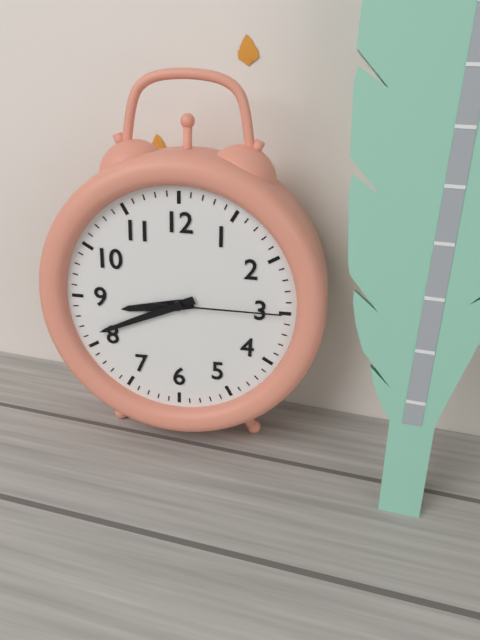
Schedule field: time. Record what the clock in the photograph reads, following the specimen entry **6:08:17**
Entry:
**8:41:15**
